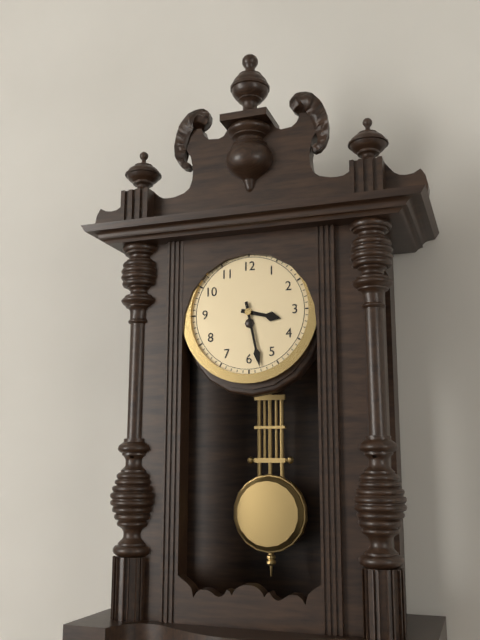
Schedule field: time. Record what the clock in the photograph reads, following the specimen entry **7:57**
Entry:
**3:28**
